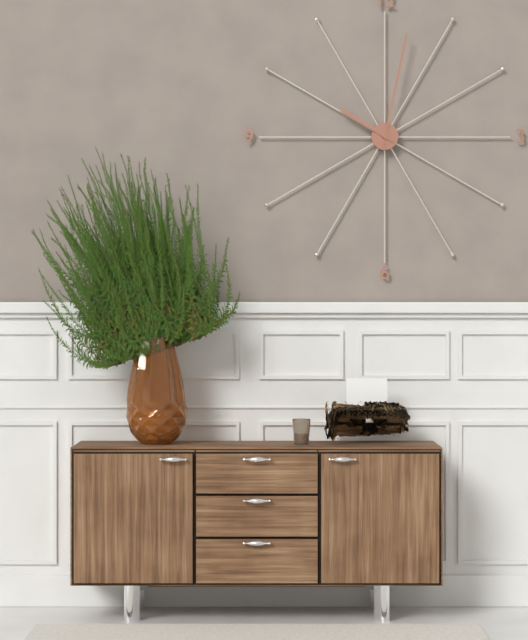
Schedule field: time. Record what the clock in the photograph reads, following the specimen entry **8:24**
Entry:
**10:02**
